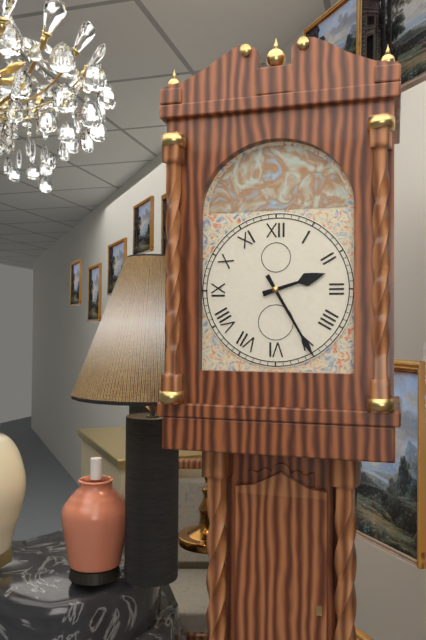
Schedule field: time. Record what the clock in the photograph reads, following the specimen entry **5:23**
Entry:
**2:25**
